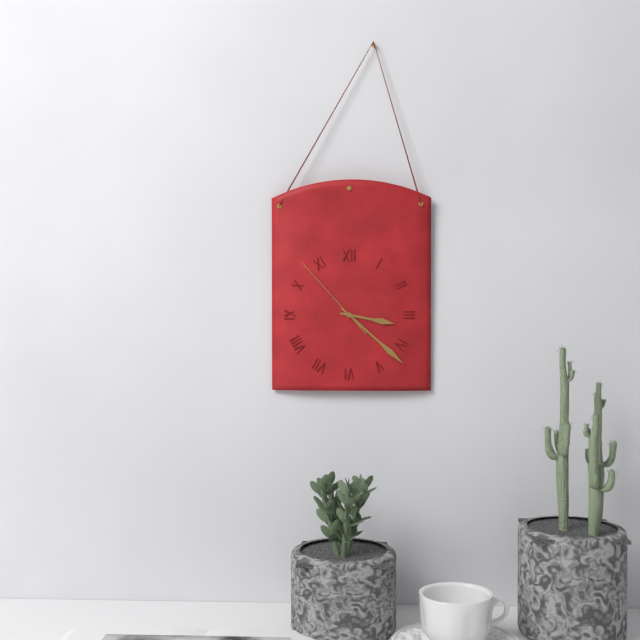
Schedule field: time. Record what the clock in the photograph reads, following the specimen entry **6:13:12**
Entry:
**3:22:53**
